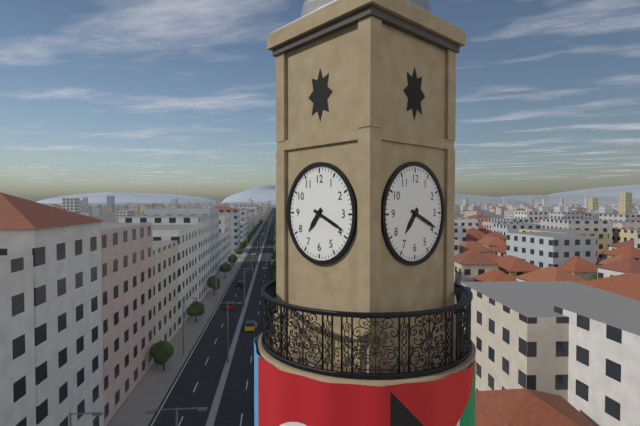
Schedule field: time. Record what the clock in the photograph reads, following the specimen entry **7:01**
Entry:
**7:19**
